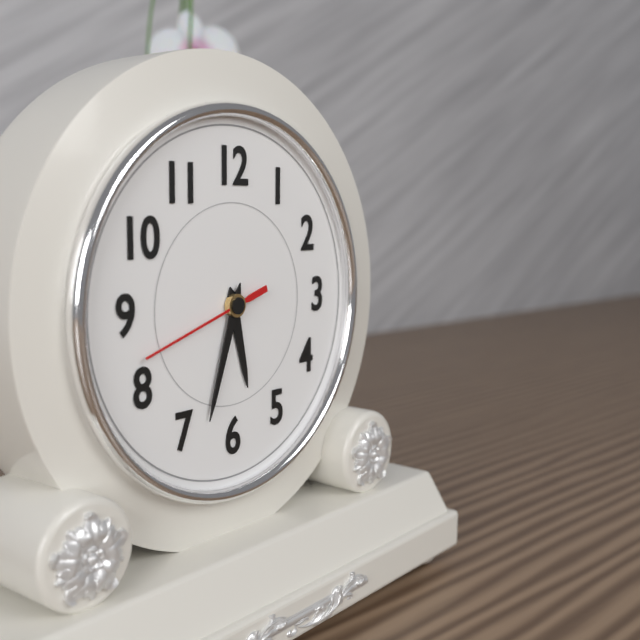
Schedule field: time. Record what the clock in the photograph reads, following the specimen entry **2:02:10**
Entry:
**5:33:42**
